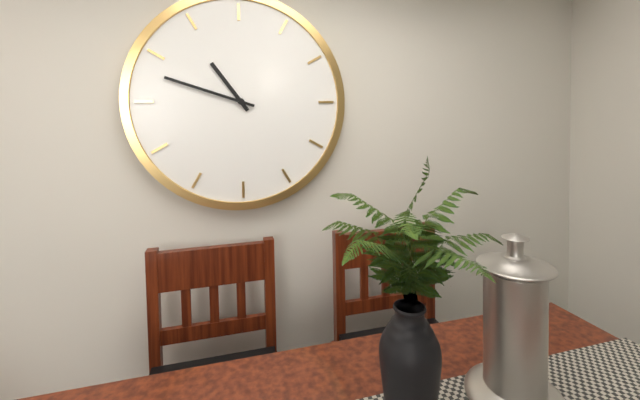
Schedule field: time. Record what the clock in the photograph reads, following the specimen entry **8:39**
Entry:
**10:48**
